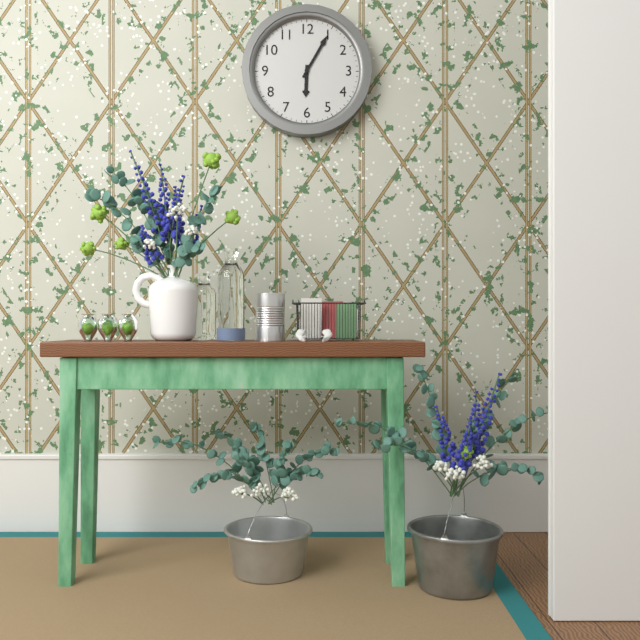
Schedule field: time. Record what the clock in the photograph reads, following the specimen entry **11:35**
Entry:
**6:05**
